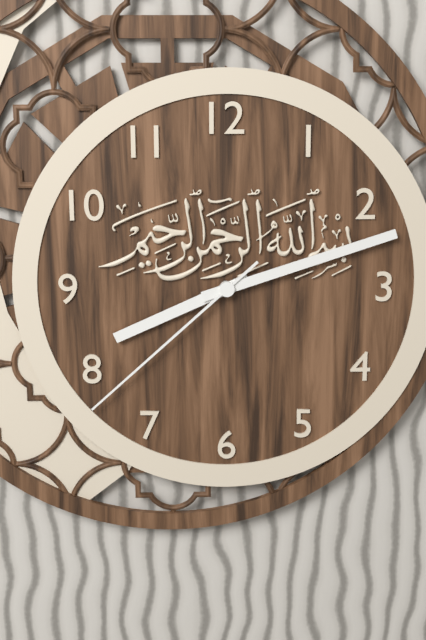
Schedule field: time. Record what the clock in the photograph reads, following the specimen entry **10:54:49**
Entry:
**8:12:38**
